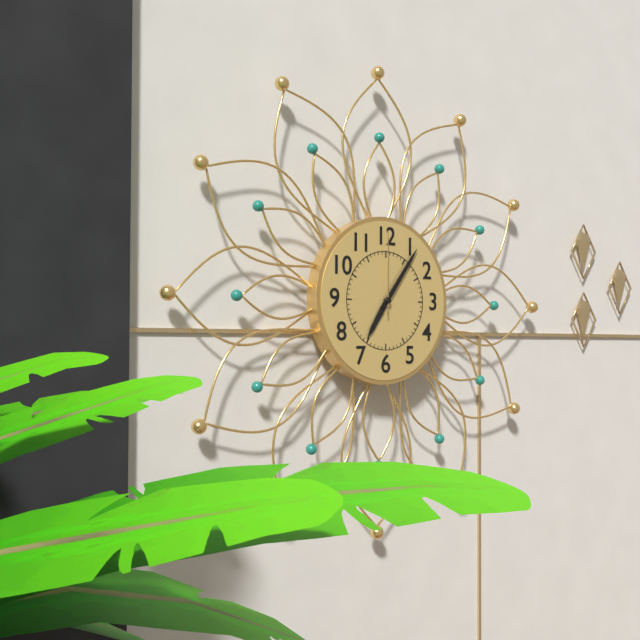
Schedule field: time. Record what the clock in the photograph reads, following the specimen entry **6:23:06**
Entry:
**7:06:00**
